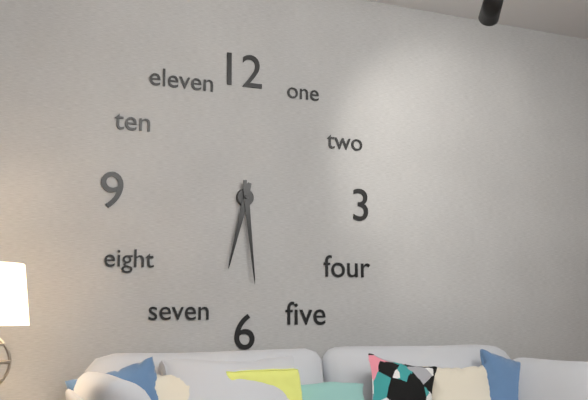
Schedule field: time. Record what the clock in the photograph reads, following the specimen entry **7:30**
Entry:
**6:29**
